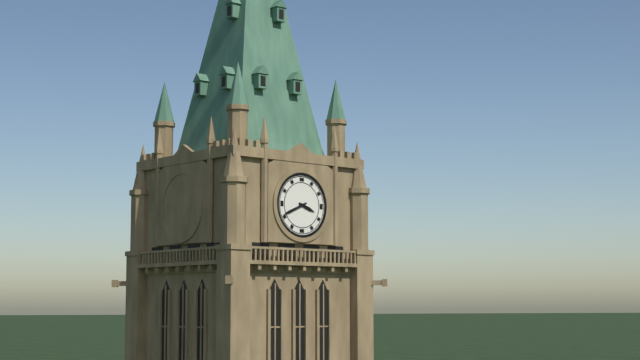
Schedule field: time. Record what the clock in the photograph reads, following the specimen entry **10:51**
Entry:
**3:41**
